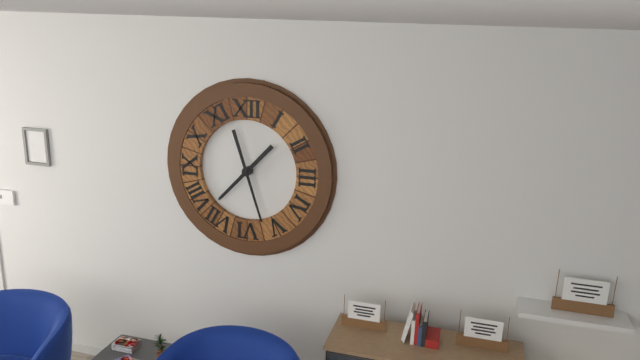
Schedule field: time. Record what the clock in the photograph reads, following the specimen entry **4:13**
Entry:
**7:27**
